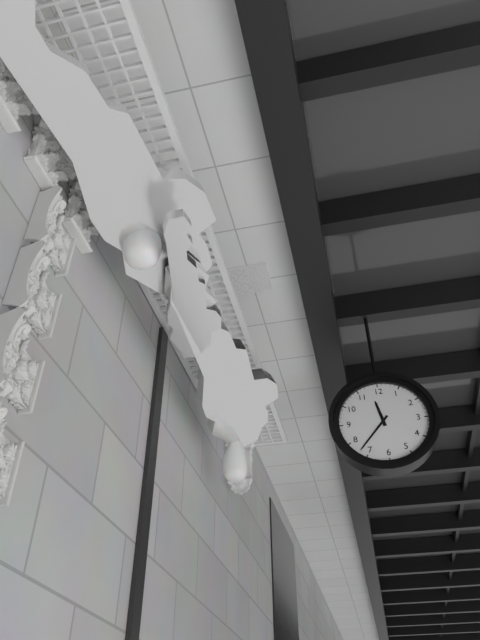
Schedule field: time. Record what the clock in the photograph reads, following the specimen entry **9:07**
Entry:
**11:37**
